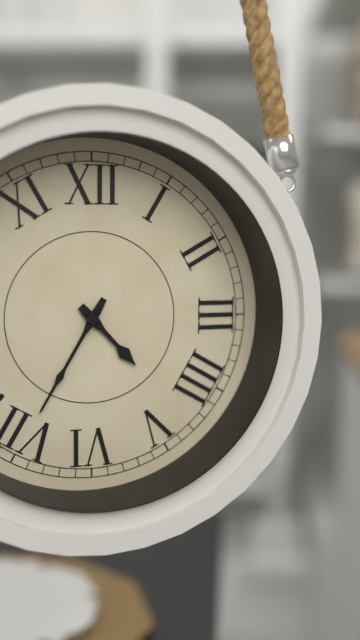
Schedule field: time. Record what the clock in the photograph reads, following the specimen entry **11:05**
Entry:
**4:35**
